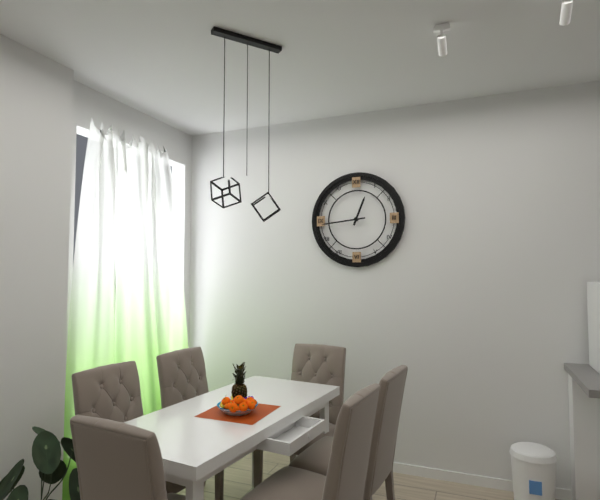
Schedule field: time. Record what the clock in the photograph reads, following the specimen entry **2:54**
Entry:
**12:44**
